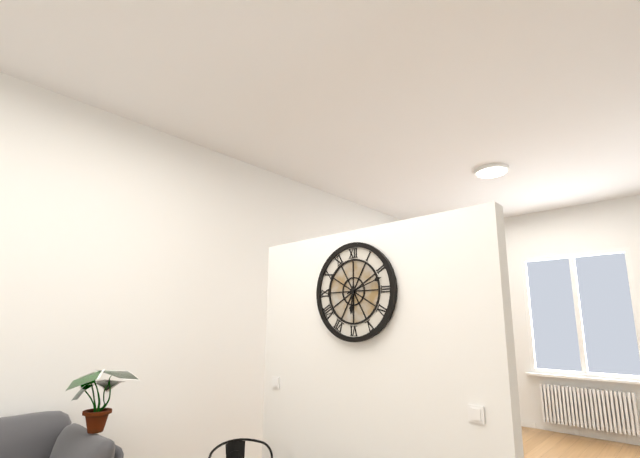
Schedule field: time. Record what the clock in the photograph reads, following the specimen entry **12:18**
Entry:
**6:12**
